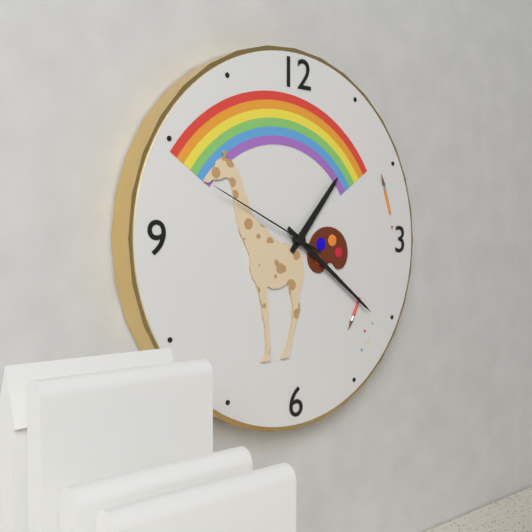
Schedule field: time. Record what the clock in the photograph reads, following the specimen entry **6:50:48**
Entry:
**1:21:49**
